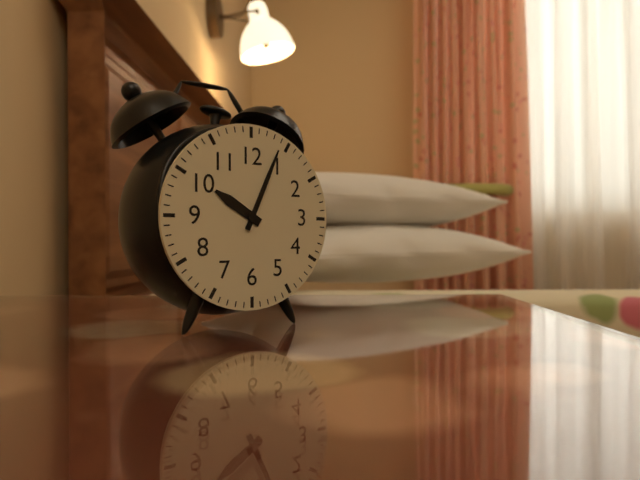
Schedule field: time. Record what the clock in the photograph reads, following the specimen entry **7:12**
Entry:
**10:04**
